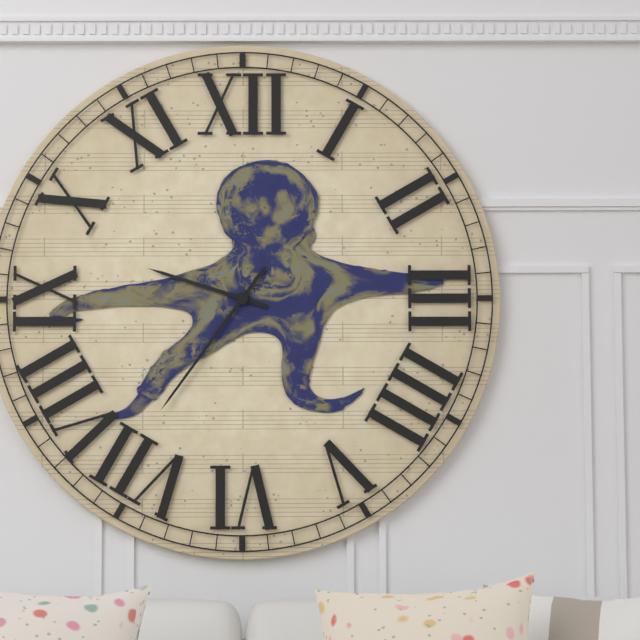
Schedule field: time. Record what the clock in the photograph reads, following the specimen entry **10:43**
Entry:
**9:36**
